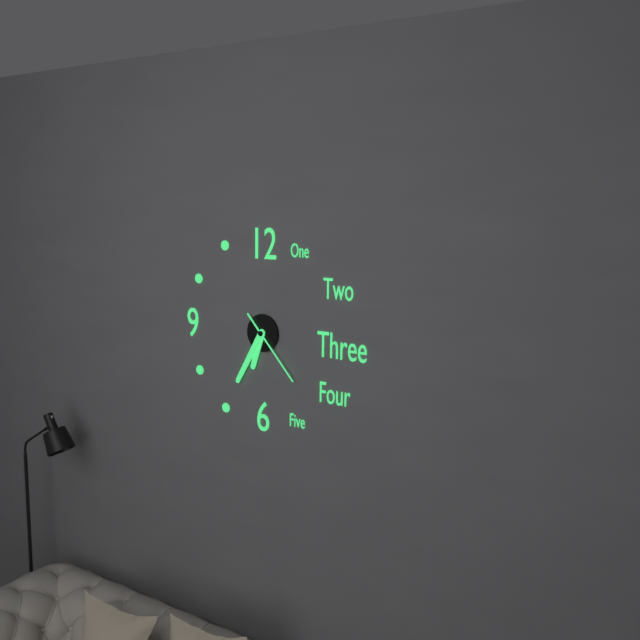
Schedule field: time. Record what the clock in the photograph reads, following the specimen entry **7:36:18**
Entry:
**6:35:23**
